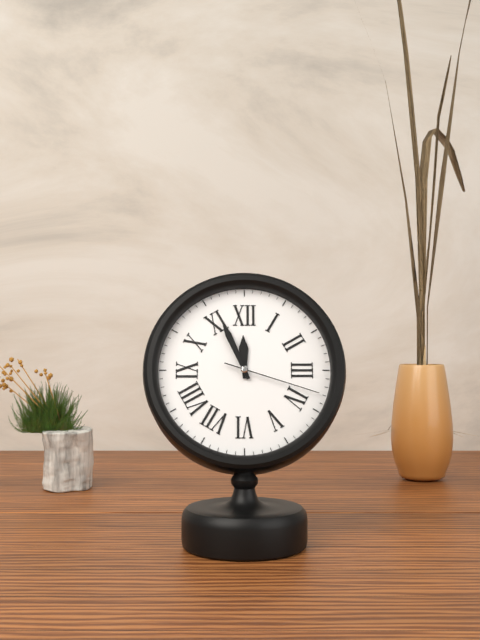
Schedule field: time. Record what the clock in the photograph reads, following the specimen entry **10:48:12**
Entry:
**11:56:18**
